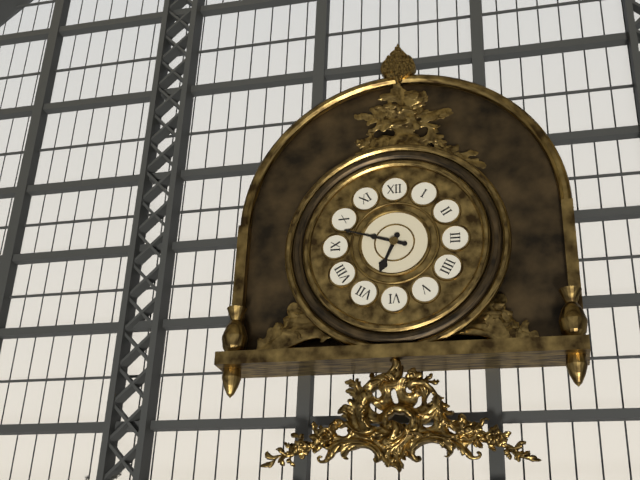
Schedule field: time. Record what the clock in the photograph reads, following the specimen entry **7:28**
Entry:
**6:48**
